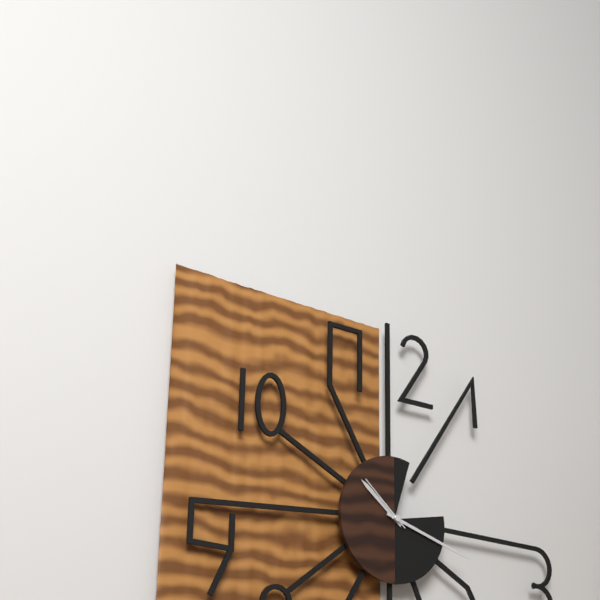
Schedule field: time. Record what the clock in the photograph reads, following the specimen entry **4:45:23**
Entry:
**10:18:52**
